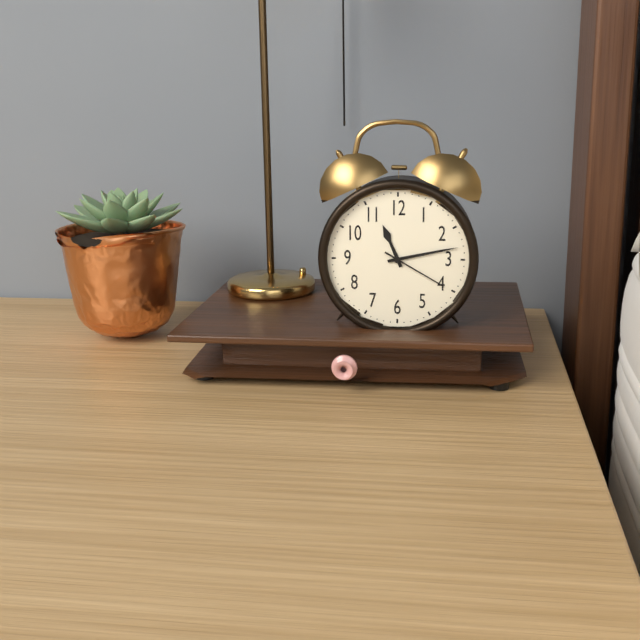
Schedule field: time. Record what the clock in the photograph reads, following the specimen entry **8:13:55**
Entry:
**11:13:20**
